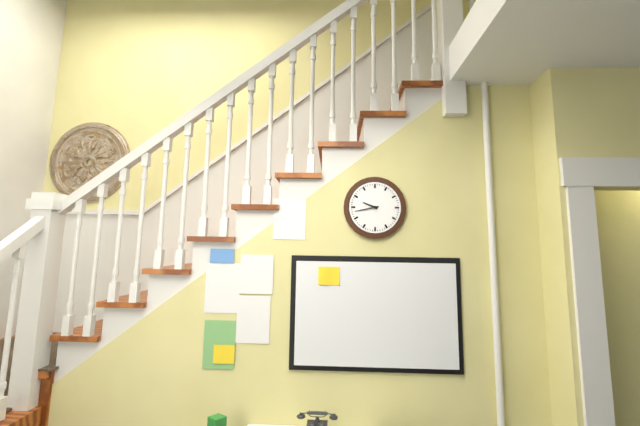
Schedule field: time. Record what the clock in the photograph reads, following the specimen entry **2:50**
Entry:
**9:43**
